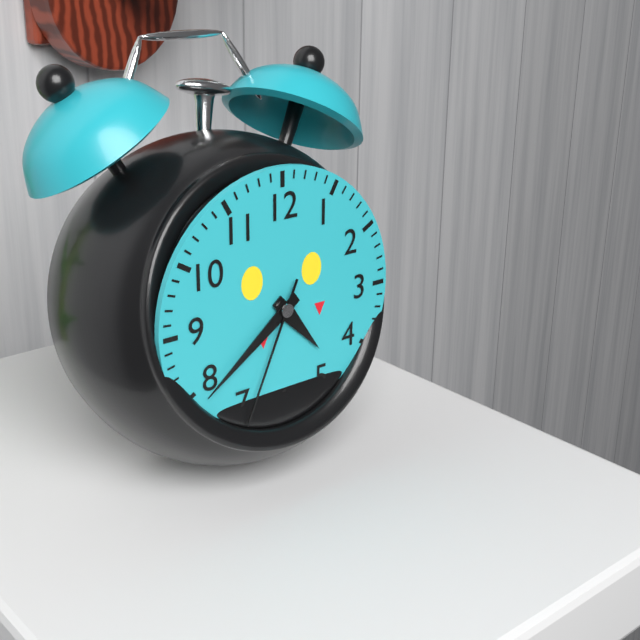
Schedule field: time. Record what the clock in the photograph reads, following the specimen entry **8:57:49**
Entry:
**4:39:34**
